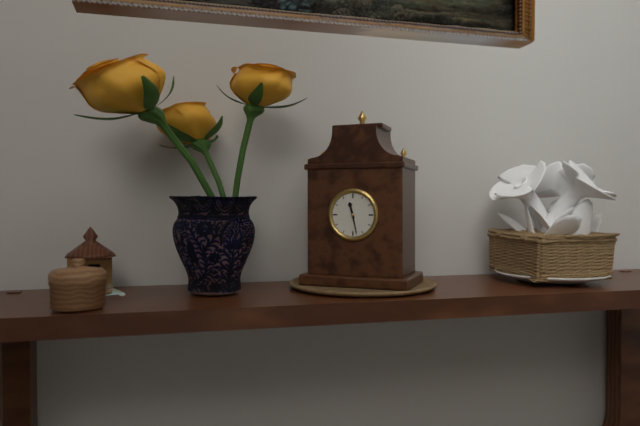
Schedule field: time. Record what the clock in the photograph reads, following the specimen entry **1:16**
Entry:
**11:28**
